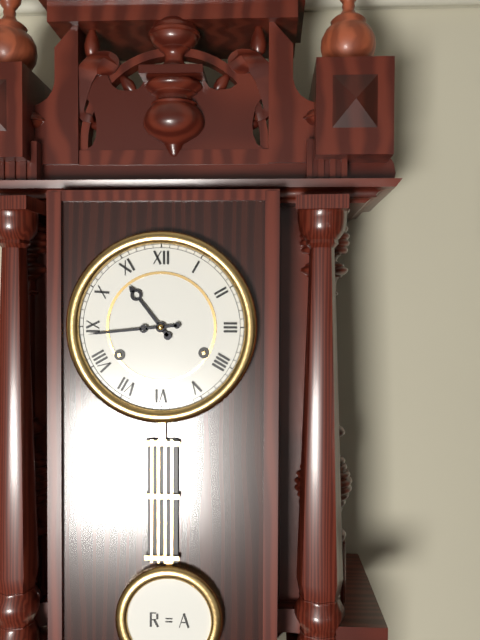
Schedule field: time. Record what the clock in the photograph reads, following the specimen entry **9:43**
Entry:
**10:44**
